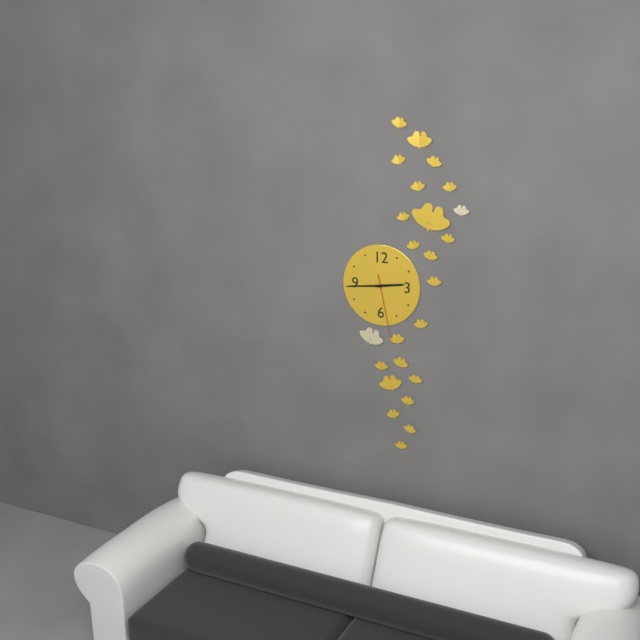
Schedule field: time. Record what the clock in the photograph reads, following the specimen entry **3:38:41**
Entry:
**2:44:28**
